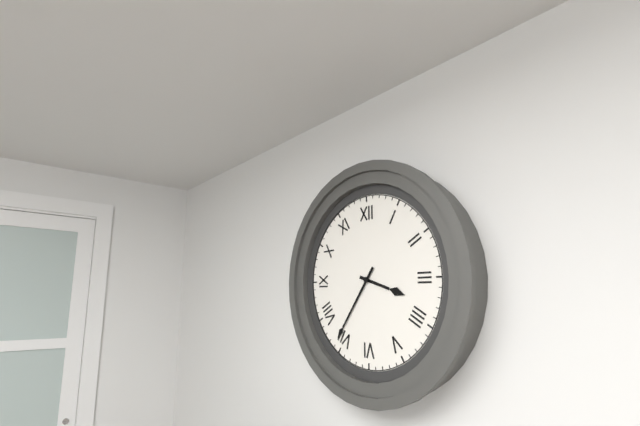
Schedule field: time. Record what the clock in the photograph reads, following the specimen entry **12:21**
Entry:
**3:36**
